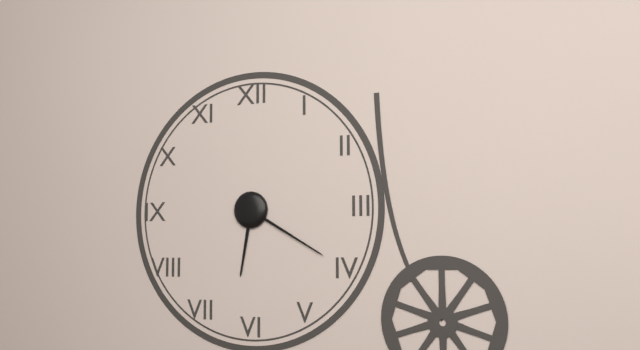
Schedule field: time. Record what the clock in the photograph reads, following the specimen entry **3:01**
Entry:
**6:20**
